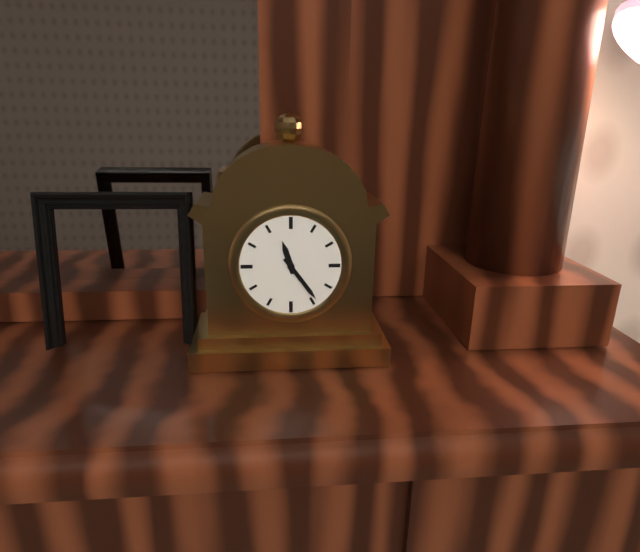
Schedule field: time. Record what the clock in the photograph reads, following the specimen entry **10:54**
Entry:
**11:24**
